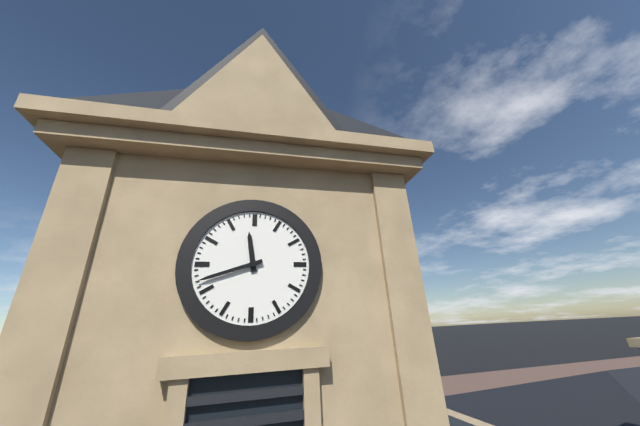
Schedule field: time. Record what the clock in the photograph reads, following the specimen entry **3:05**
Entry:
**11:42**
